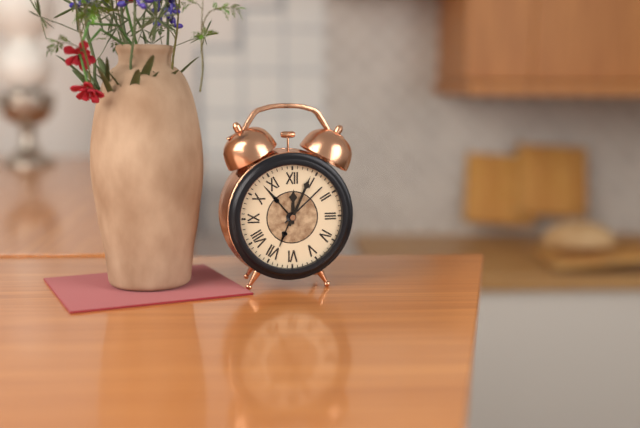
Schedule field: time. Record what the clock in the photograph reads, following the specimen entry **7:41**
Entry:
**12:04**
